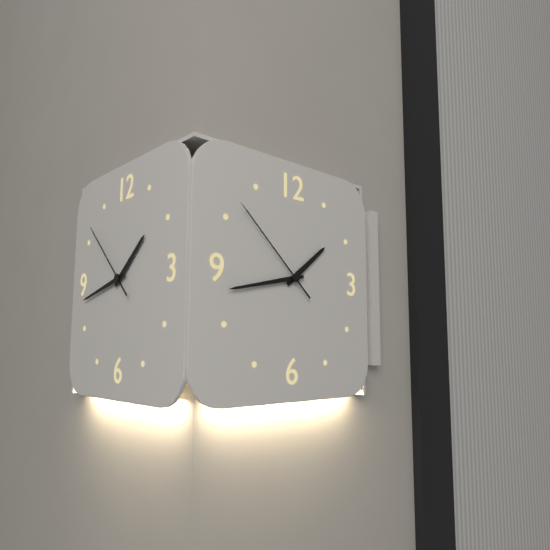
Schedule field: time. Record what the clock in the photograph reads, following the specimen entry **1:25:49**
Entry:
**1:43:52**
